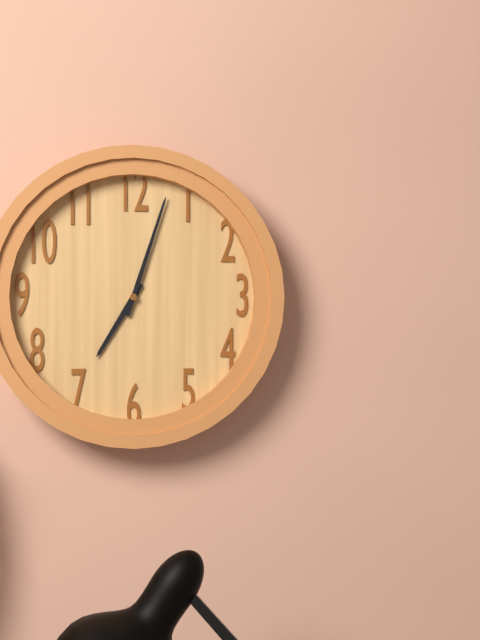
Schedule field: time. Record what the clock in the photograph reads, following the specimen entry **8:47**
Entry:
**7:03**
